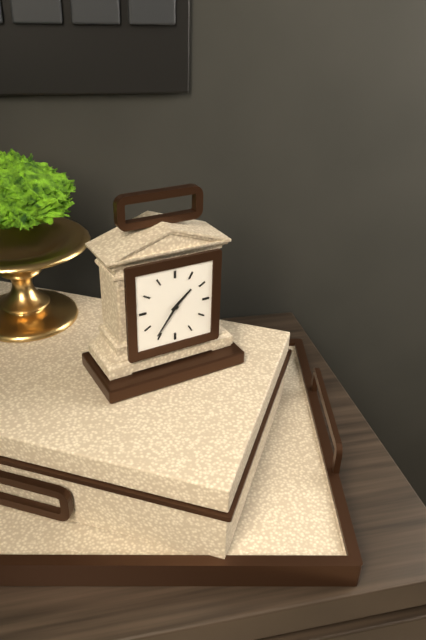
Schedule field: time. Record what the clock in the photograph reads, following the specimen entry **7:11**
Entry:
**1:36**
